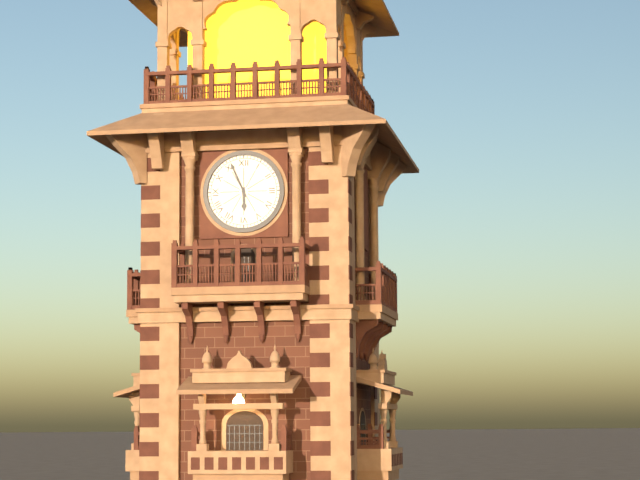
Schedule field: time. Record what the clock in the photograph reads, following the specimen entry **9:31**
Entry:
**5:56**
